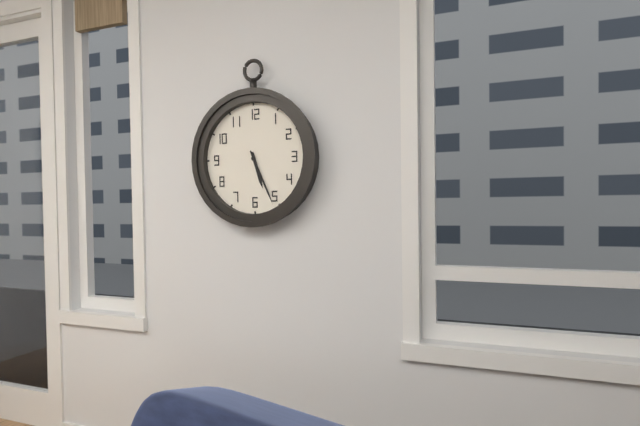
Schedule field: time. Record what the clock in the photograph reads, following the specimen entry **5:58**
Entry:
**5:26**
